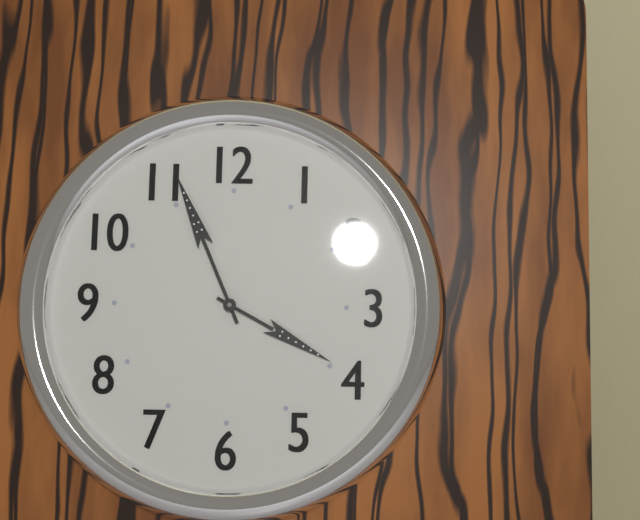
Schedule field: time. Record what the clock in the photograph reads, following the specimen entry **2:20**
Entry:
**3:56**
